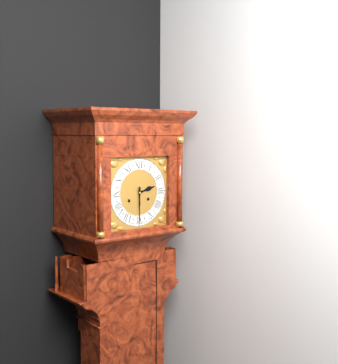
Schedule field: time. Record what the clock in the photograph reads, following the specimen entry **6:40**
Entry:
**2:30**
